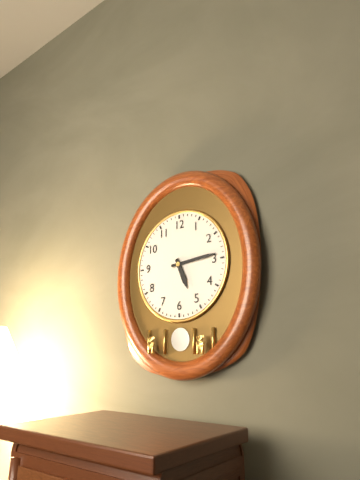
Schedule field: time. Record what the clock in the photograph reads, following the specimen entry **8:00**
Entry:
**5:14**
